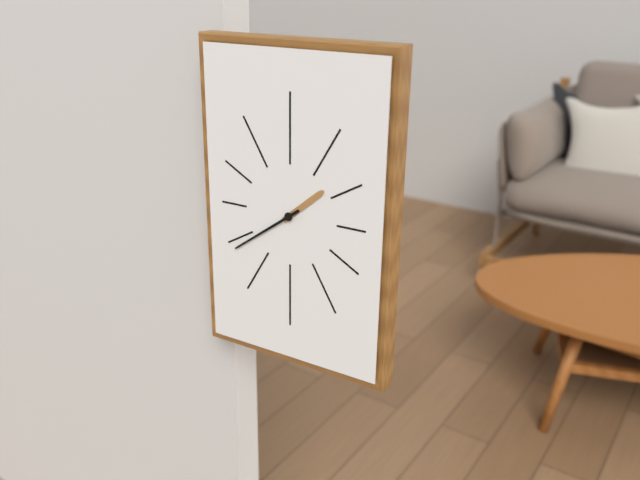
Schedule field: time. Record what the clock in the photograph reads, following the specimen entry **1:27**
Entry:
**1:39**
